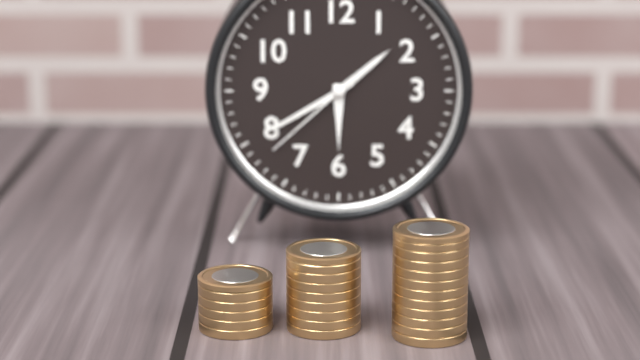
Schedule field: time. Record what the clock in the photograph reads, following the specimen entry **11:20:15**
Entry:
**1:40:38**
